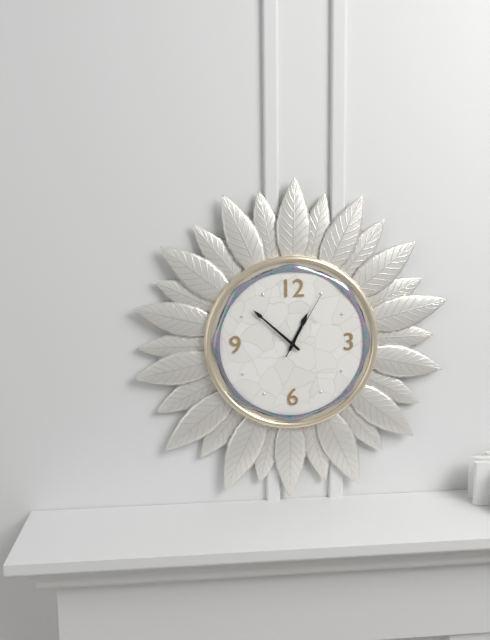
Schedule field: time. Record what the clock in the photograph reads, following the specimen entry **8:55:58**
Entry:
**12:52:05**
